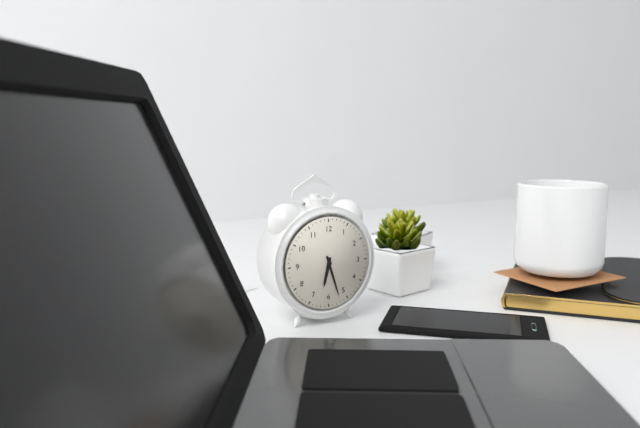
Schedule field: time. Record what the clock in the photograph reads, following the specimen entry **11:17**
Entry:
**6:27**
